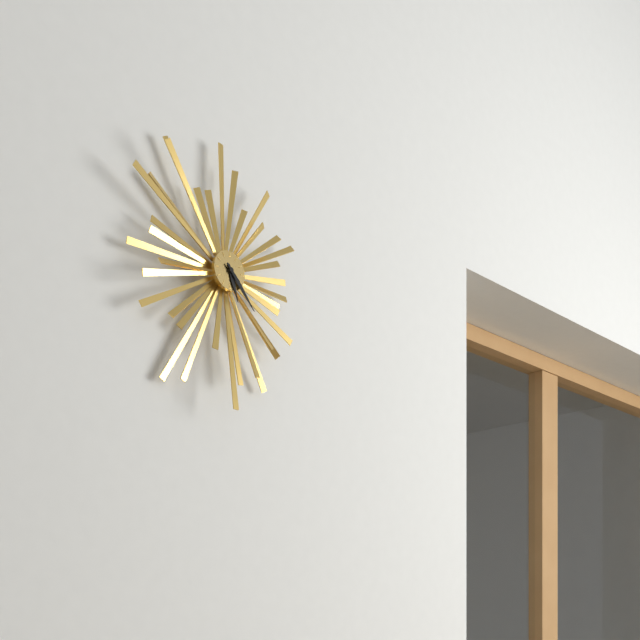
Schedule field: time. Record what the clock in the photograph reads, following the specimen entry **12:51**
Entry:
**5:23**
